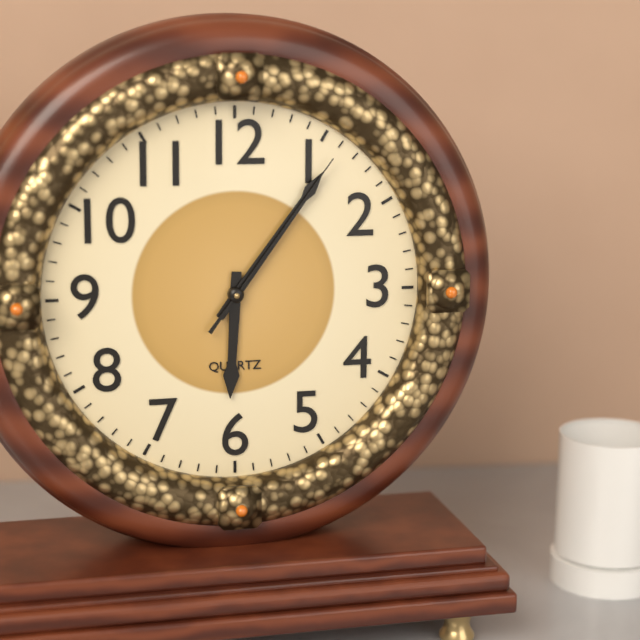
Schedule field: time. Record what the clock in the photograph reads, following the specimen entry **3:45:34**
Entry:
**6:06:06**
